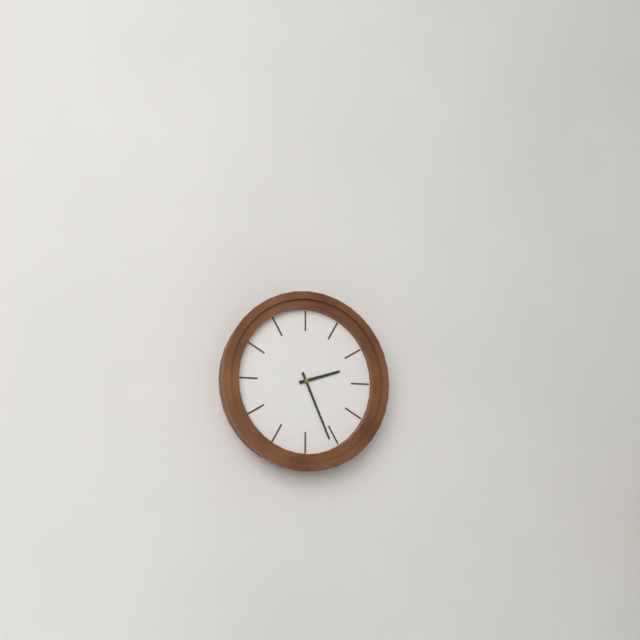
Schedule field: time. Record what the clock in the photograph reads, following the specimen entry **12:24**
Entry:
**2:26**
